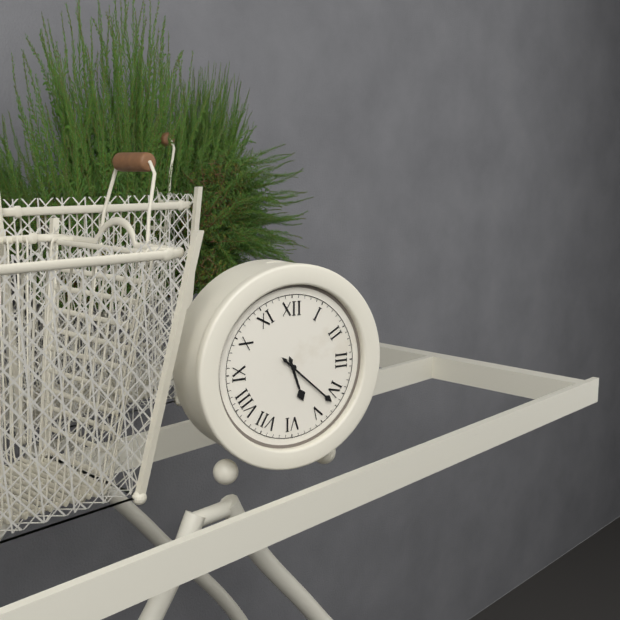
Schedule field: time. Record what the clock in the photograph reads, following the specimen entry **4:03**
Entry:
**5:22**
